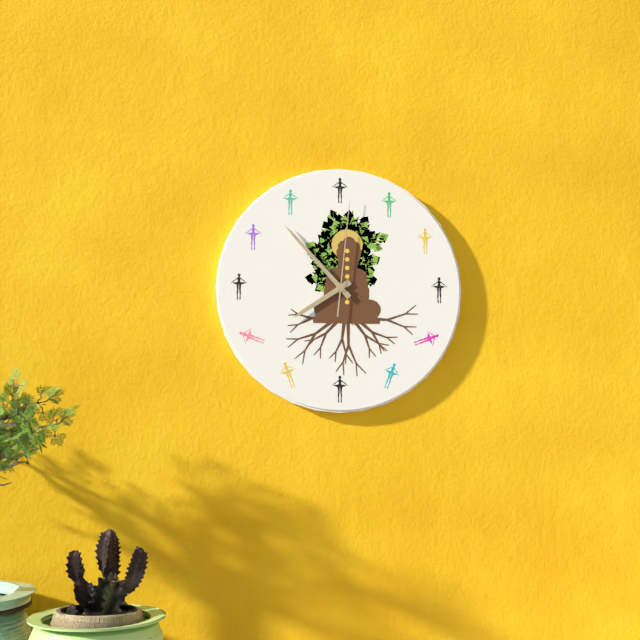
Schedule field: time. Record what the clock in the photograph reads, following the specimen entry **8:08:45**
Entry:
**7:53:01**
